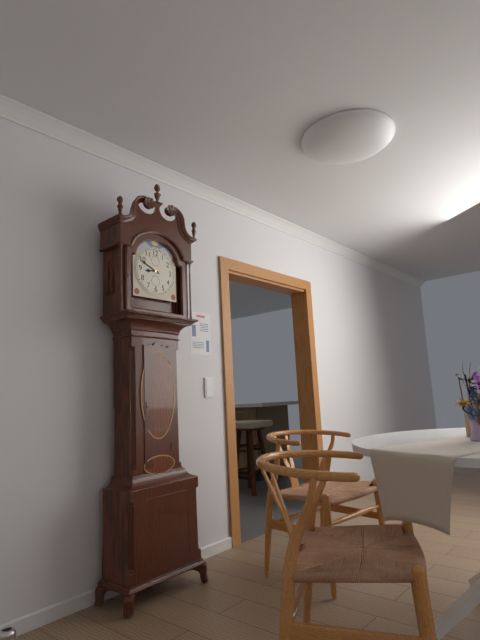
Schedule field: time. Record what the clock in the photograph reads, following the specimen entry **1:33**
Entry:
**8:49**
